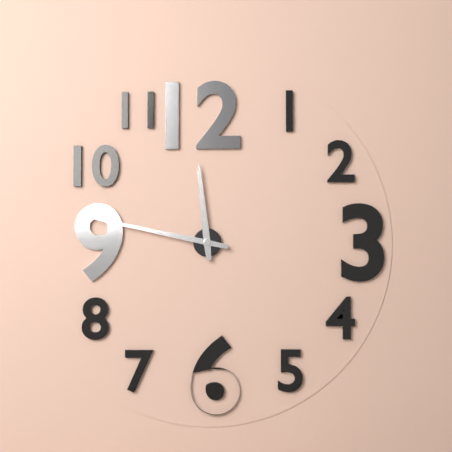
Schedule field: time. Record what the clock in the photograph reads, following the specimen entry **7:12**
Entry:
**11:47**
